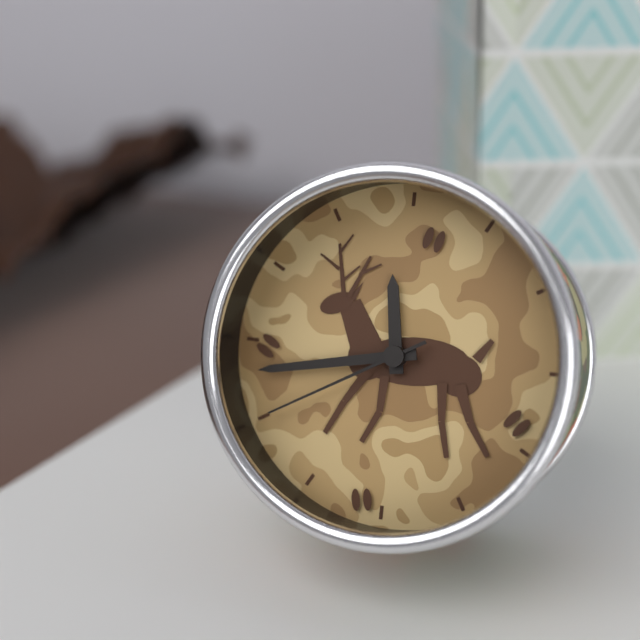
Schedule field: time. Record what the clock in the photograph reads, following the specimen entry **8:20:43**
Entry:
**11:43:40**
